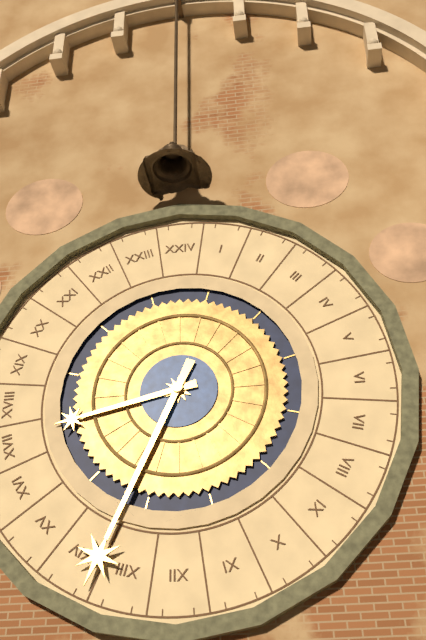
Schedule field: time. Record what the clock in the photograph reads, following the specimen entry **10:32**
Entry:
**8:34**
